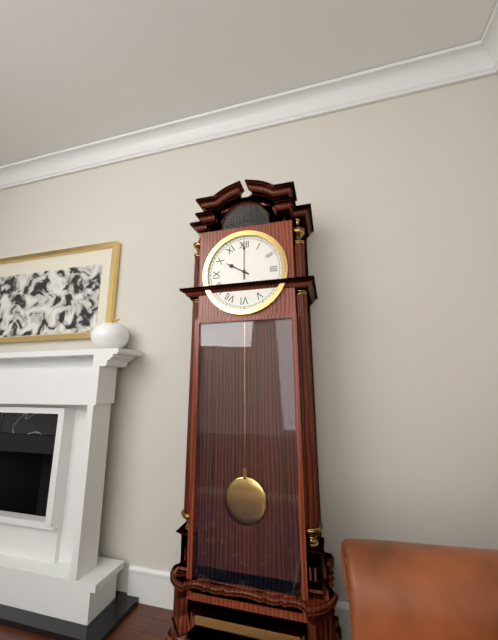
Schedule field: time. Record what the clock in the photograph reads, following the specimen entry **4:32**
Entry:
**10:00**
